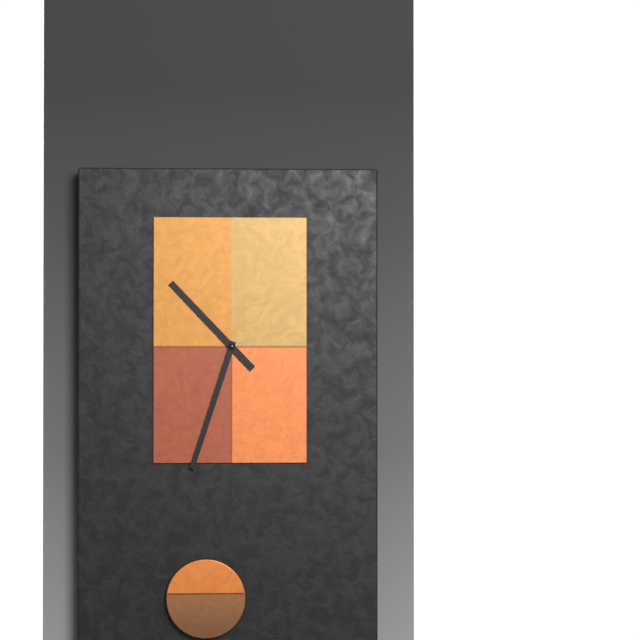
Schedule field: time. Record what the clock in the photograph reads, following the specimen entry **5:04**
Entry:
**10:33**
